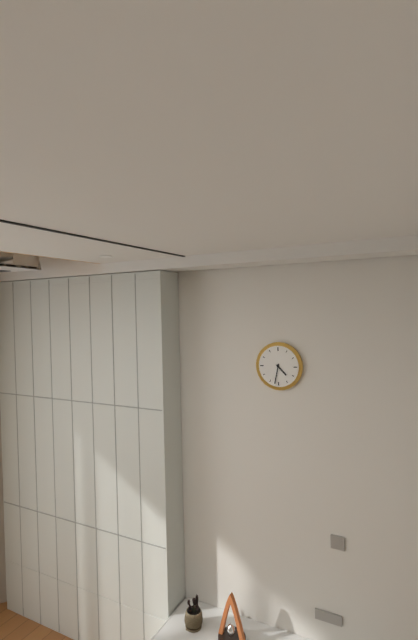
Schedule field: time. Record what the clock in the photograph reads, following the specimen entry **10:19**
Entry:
**4:32**
